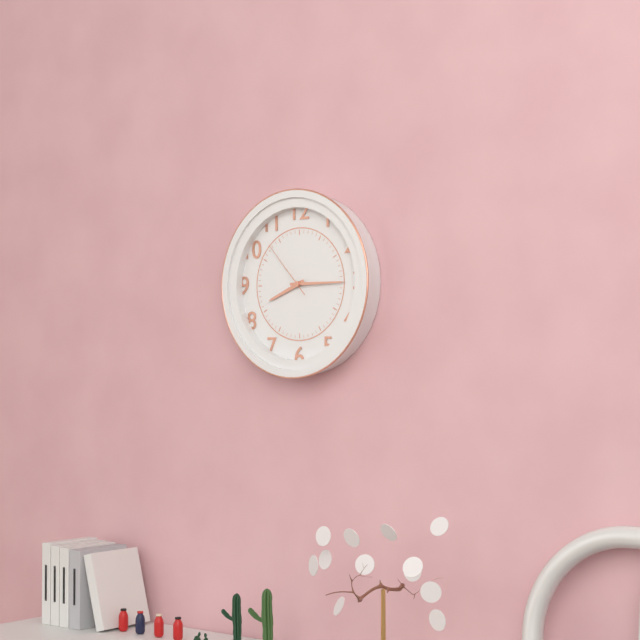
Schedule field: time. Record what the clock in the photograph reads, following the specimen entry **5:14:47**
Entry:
**8:15:53**
